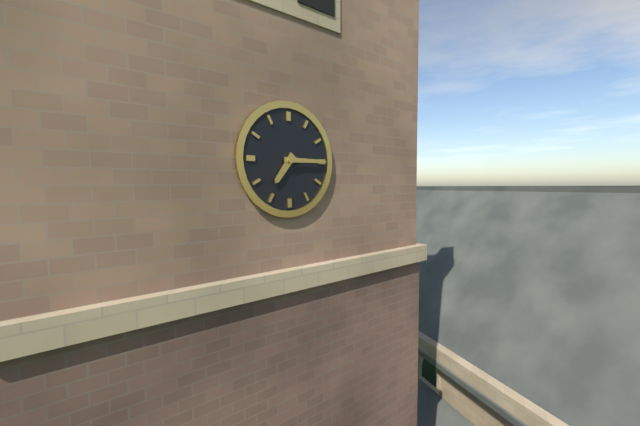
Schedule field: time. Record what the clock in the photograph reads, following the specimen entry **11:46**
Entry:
**7:15**
